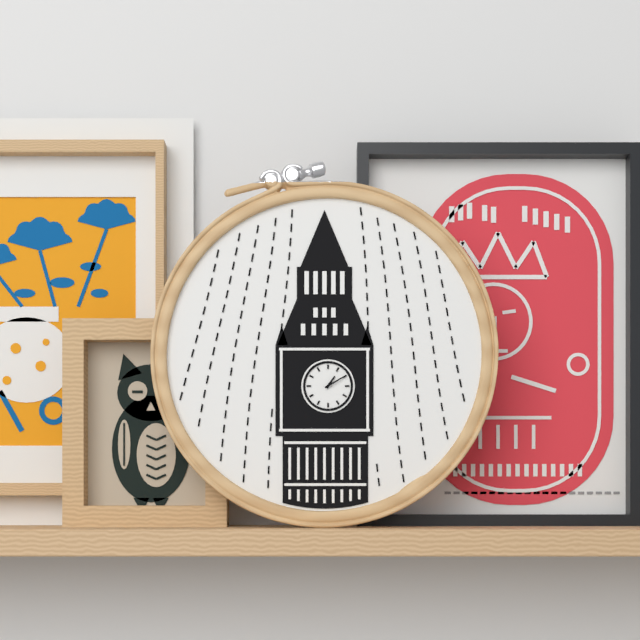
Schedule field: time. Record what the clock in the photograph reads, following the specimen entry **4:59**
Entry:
**1:10**
